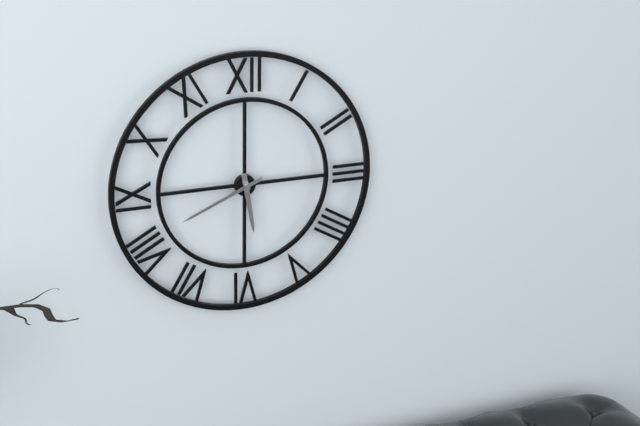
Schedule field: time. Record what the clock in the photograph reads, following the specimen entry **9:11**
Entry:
**5:41**
